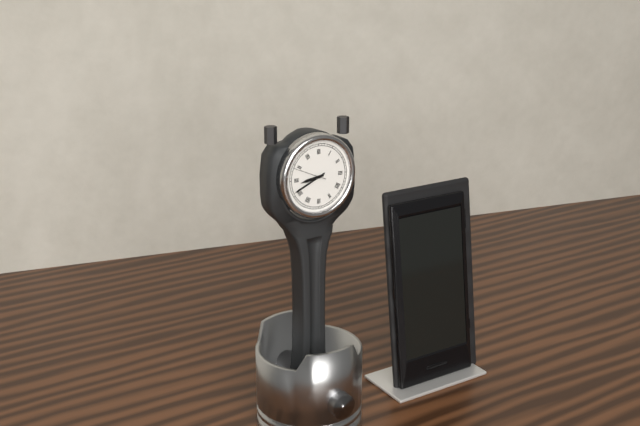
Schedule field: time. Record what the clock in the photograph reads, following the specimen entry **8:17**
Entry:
**8:41**
